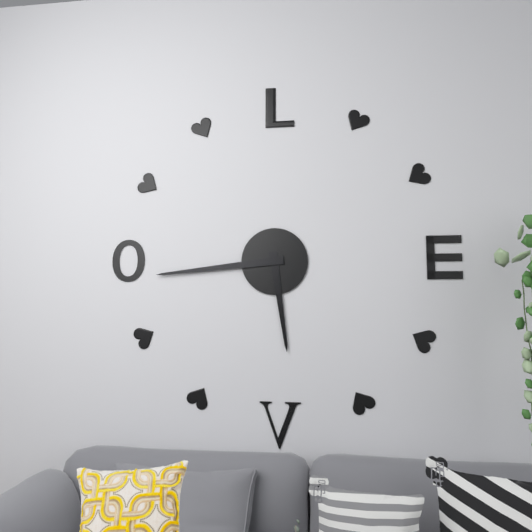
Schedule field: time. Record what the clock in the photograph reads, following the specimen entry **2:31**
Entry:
**5:44**
